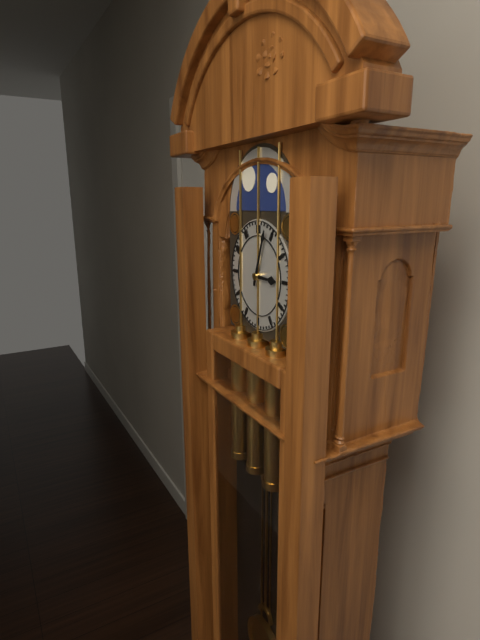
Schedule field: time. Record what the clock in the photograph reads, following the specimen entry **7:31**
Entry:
**3:03**
